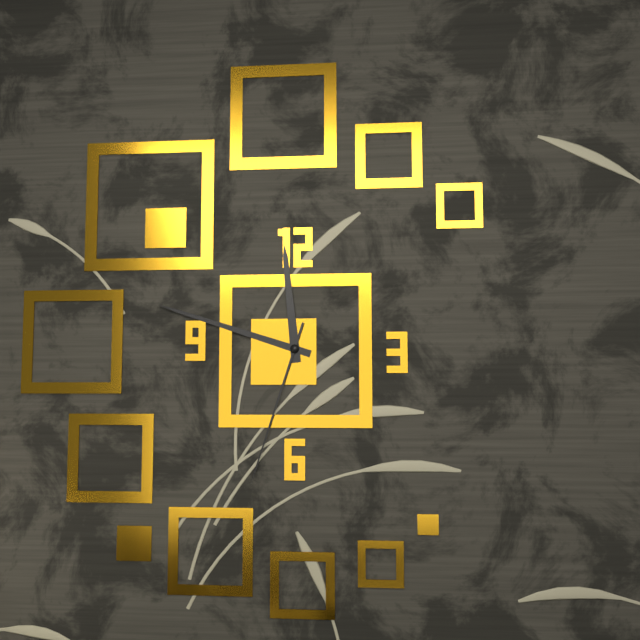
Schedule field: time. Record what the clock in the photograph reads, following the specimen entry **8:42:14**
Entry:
**11:48:33**
